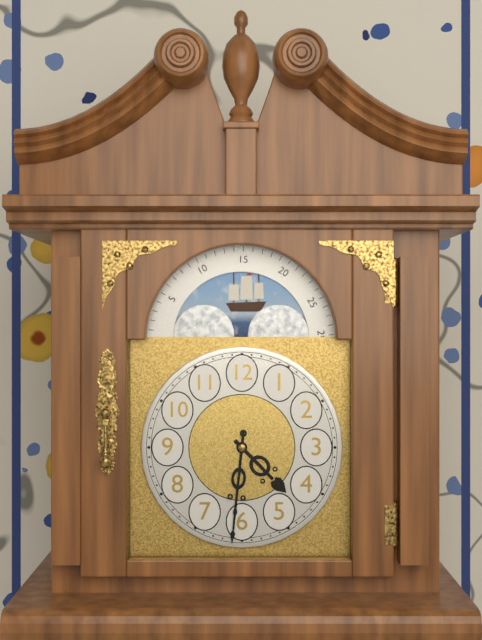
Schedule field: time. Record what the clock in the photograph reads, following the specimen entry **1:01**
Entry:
**4:31**
